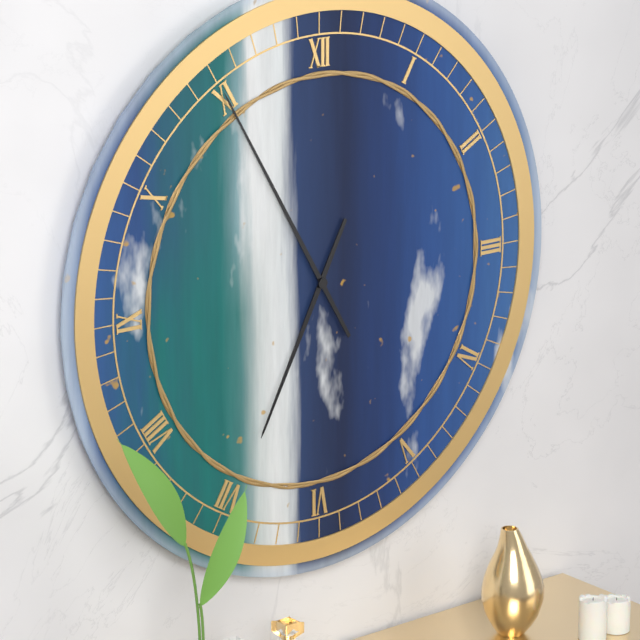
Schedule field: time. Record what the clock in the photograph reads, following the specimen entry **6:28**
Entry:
**6:55**
